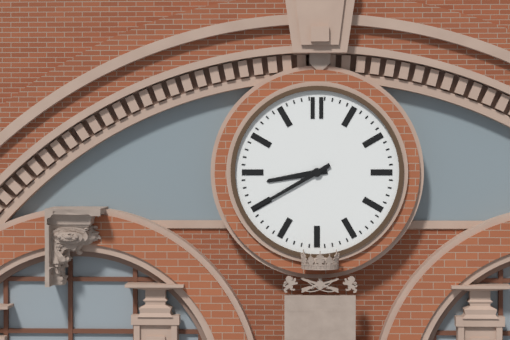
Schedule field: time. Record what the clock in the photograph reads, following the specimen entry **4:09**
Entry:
**8:40**
